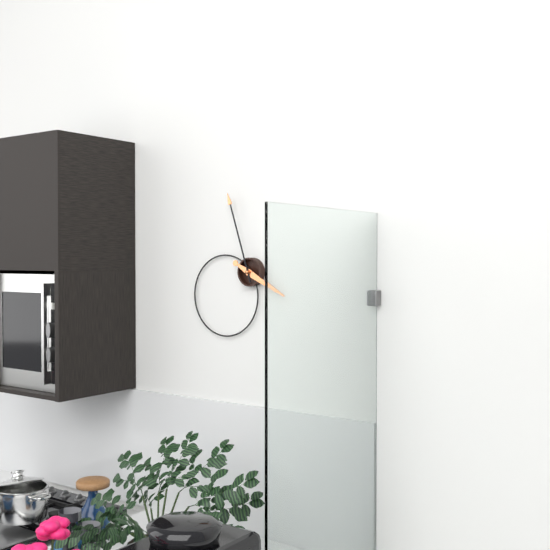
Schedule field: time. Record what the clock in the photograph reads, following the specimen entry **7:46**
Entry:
**3:57**
